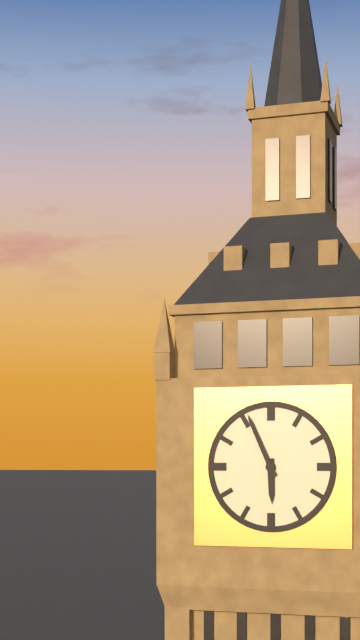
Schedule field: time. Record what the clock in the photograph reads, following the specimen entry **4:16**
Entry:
**5:56**
